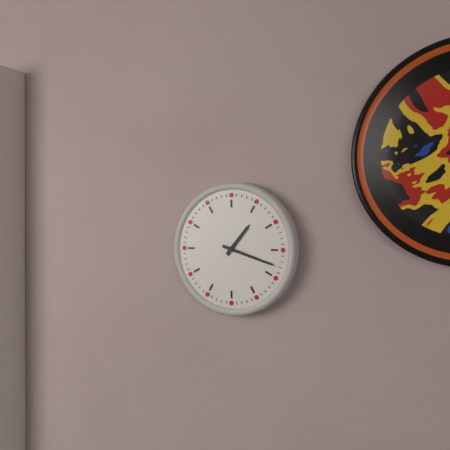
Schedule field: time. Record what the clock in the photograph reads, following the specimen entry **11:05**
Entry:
**1:18**
